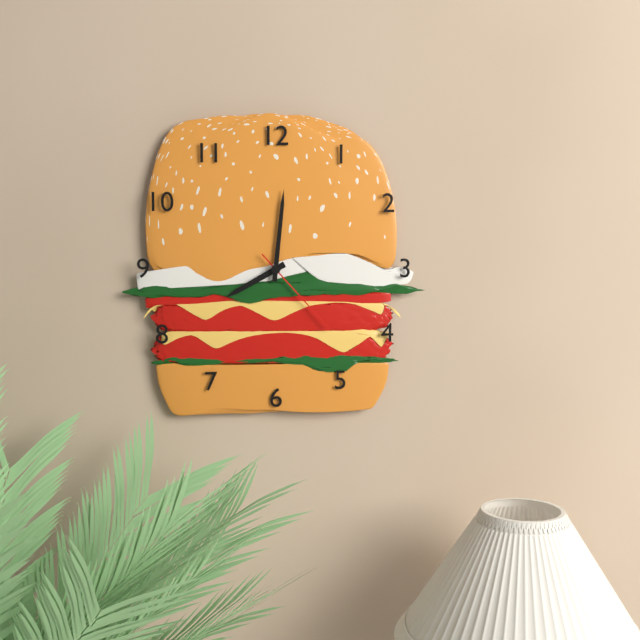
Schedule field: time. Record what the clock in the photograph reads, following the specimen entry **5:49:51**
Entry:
**8:01:23**
